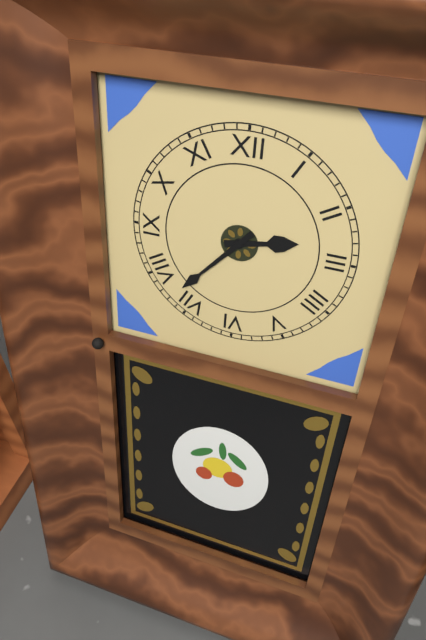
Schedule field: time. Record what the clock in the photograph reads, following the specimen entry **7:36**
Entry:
**2:37**
